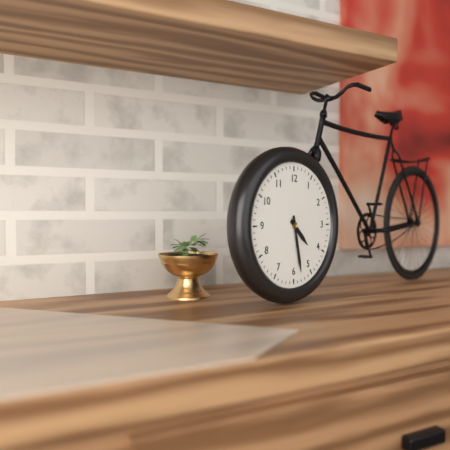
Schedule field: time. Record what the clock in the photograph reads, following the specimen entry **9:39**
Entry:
**4:28**
